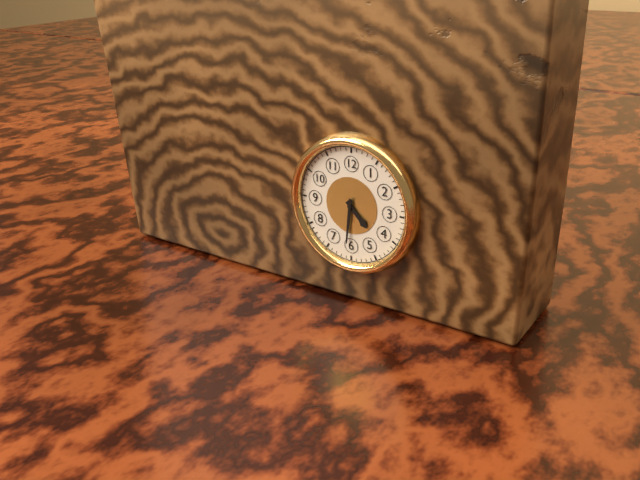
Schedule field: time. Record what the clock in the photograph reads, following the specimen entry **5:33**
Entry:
**4:31**
